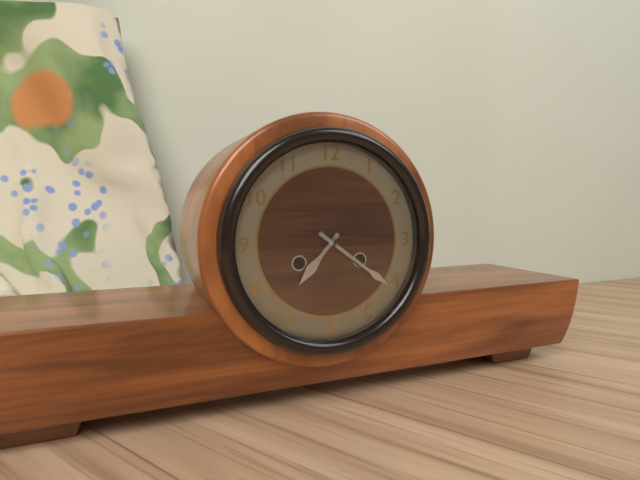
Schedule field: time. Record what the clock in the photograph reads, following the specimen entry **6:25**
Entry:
**7:21**
